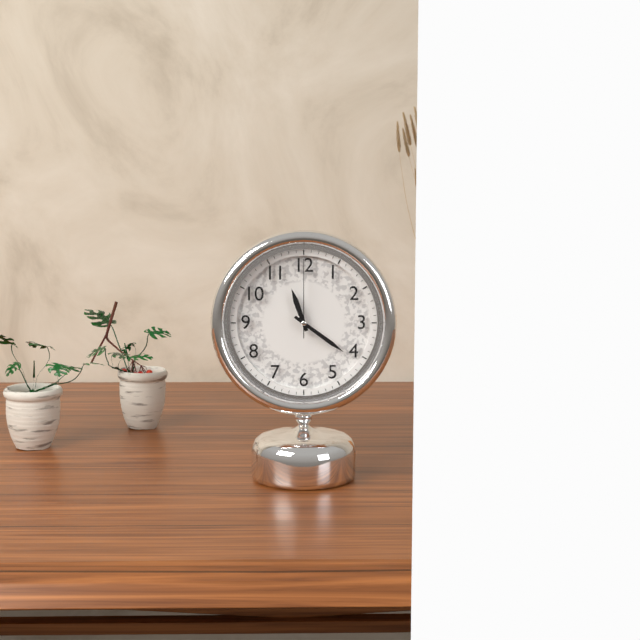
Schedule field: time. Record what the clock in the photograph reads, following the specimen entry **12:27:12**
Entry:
**11:21:00**
